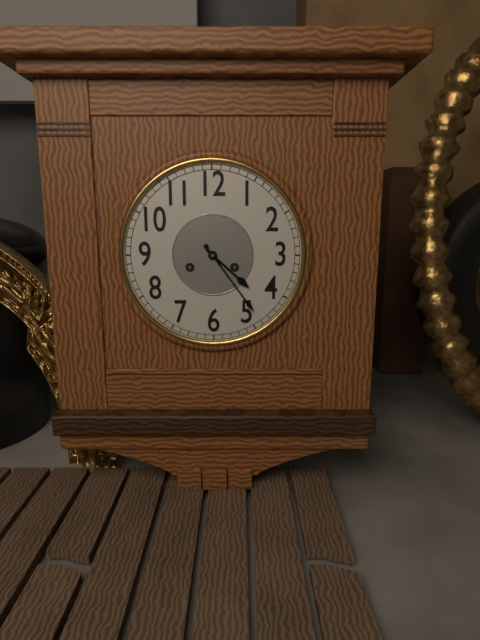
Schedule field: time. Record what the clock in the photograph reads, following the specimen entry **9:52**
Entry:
**4:24**
